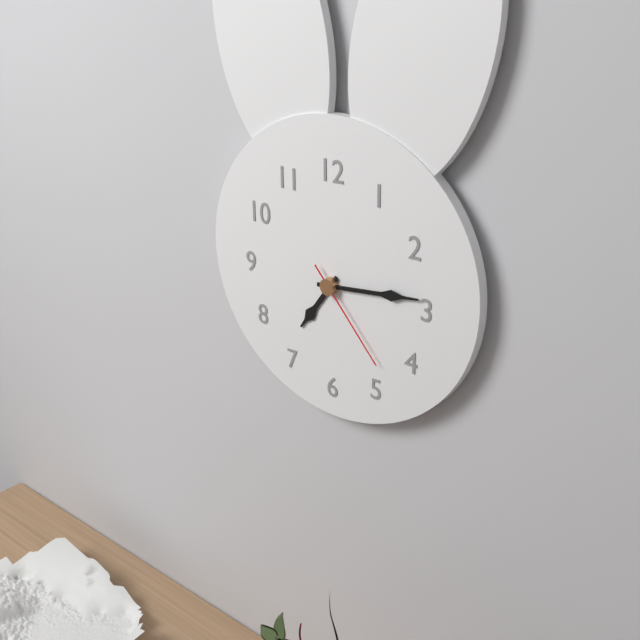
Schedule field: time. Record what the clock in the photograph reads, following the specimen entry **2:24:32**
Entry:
**7:14:23**
